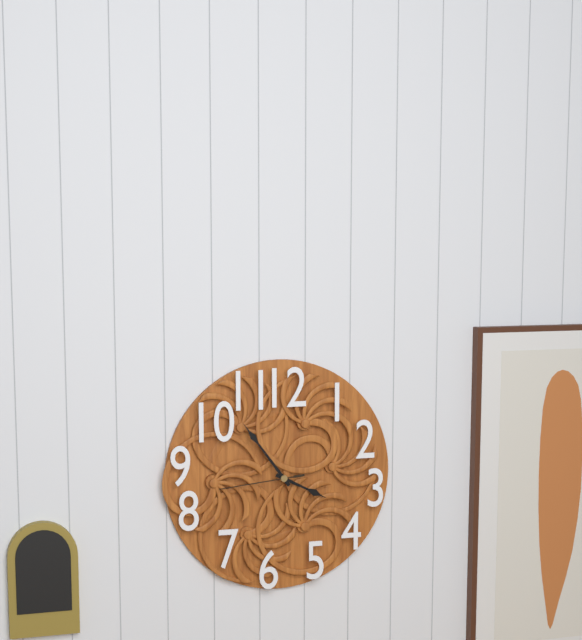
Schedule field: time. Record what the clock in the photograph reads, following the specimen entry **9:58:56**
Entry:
**3:54:44**
